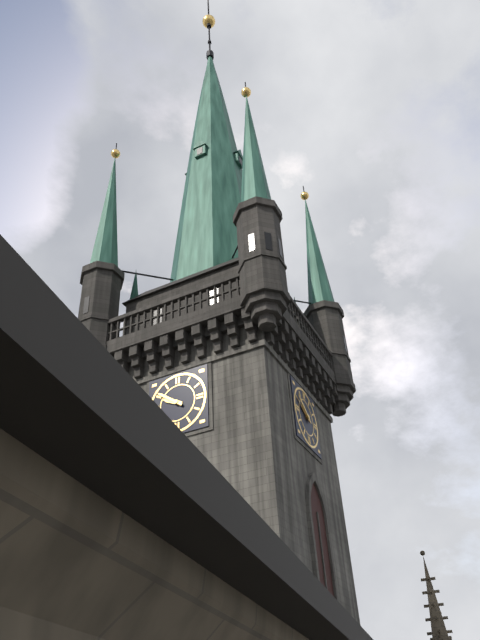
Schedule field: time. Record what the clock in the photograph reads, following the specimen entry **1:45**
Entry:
**9:51**
